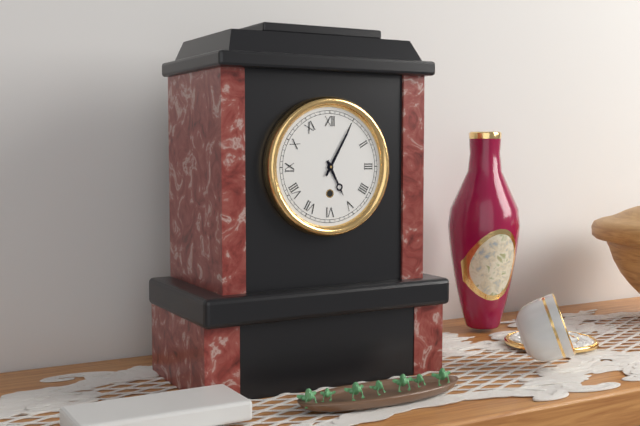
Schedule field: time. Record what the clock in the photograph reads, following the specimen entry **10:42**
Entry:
**5:05**
